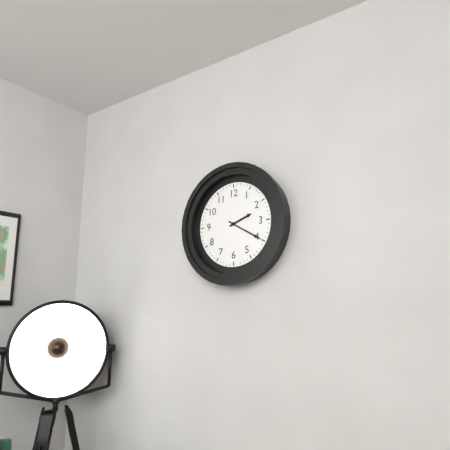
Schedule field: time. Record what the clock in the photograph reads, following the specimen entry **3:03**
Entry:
**2:20**
